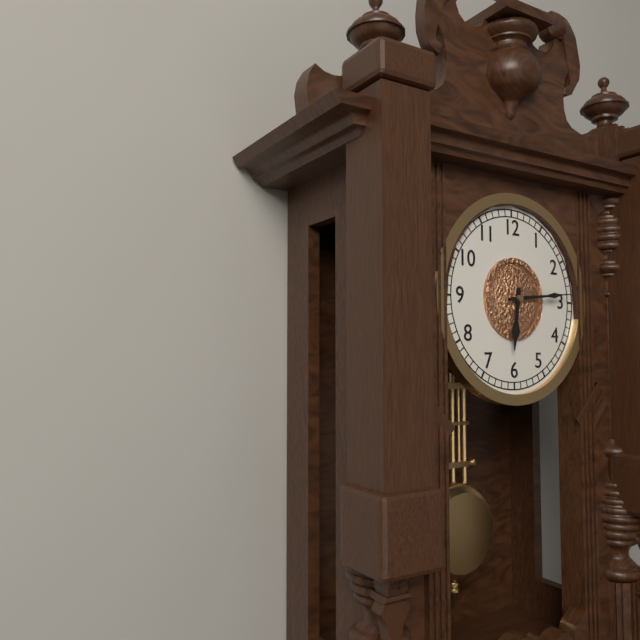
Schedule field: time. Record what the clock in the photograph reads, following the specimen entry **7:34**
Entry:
**6:14**
